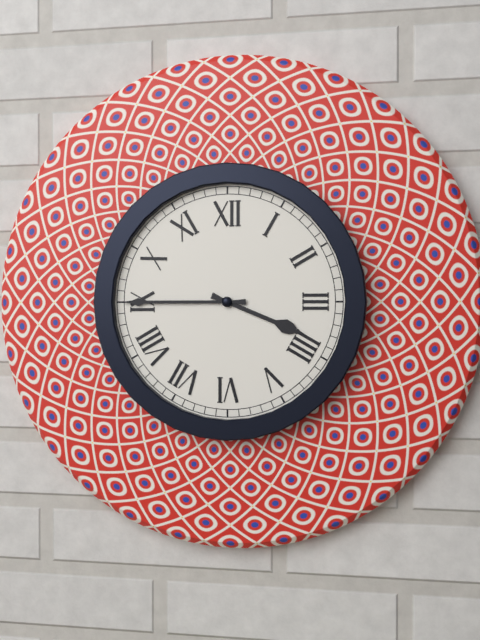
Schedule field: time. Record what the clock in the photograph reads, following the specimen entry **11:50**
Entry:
**3:45**
